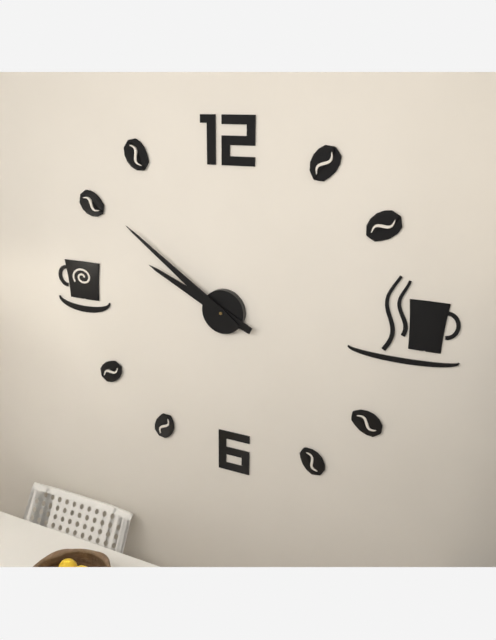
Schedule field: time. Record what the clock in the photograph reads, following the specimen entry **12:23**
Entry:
**9:51**
